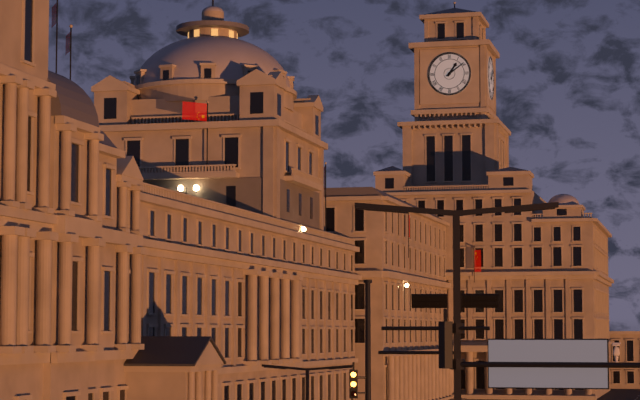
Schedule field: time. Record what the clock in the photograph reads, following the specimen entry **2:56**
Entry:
**1:09**
